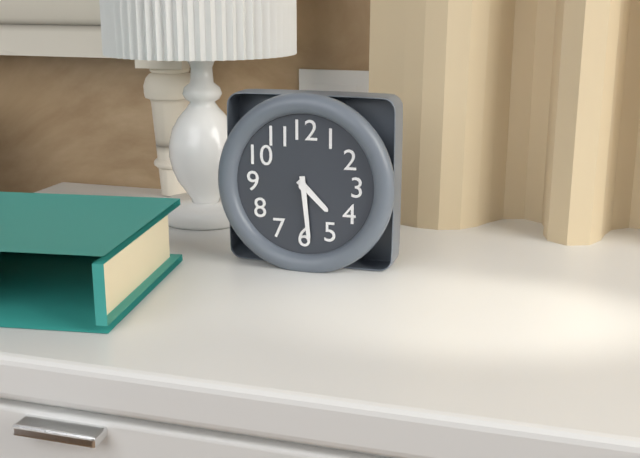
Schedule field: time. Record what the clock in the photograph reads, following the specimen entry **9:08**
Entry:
**4:29**
